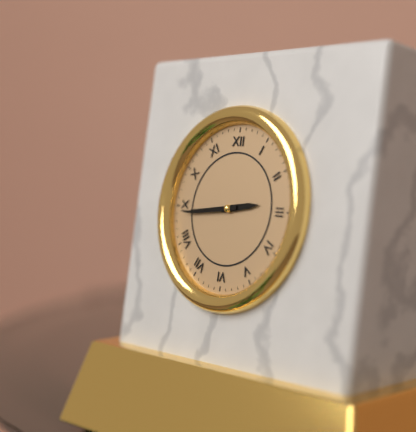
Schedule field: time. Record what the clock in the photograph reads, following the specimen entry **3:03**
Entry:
**2:44**
